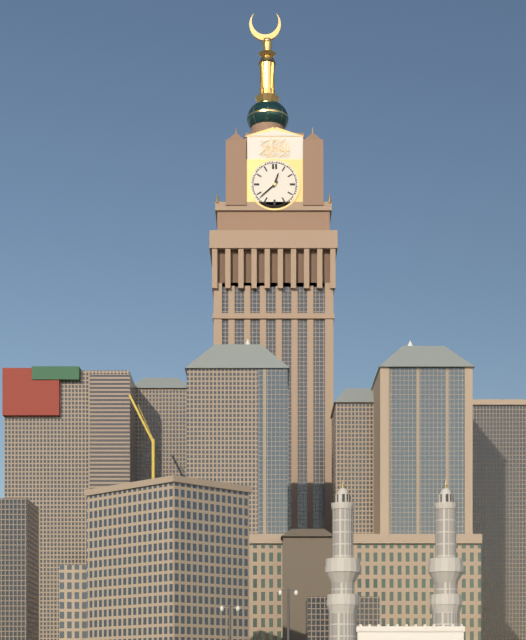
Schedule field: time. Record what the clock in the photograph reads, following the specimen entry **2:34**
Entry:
**12:38**
